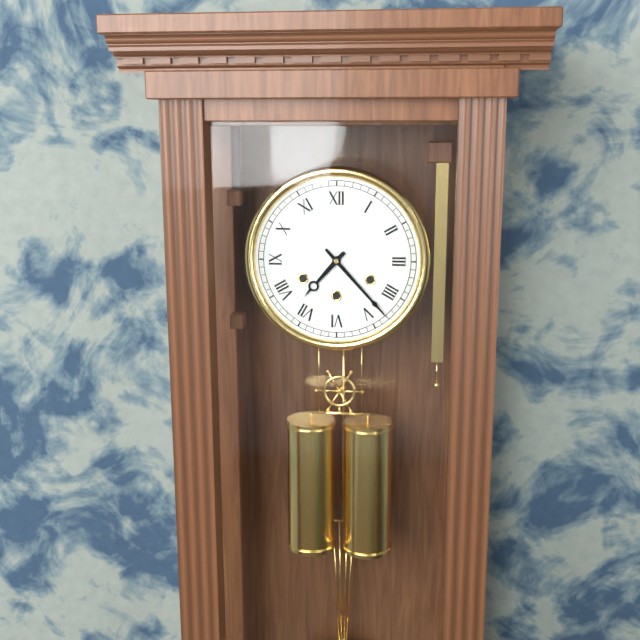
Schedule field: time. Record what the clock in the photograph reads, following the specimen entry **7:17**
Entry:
**7:23**
